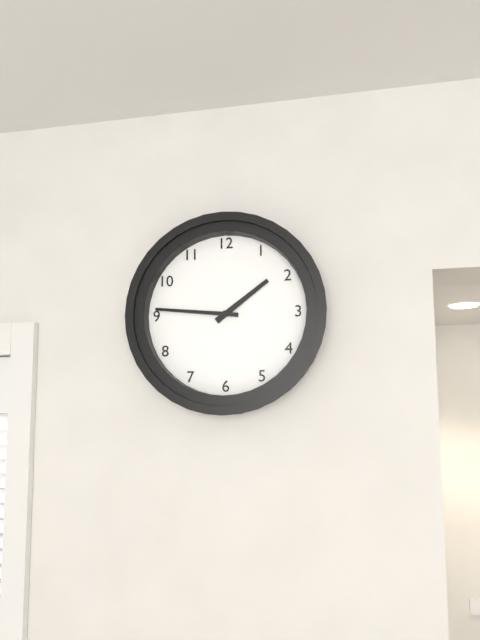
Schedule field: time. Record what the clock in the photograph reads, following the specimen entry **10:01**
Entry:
**1:46**
